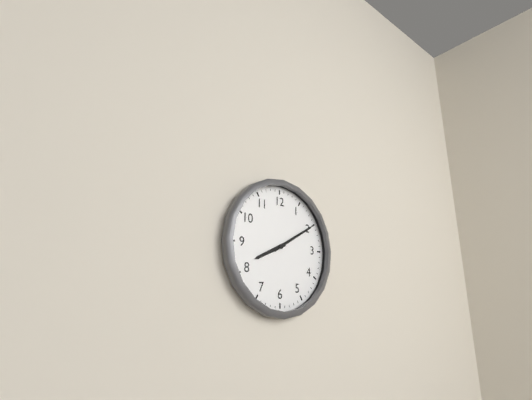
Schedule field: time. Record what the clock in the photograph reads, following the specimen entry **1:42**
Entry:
**8:10**
